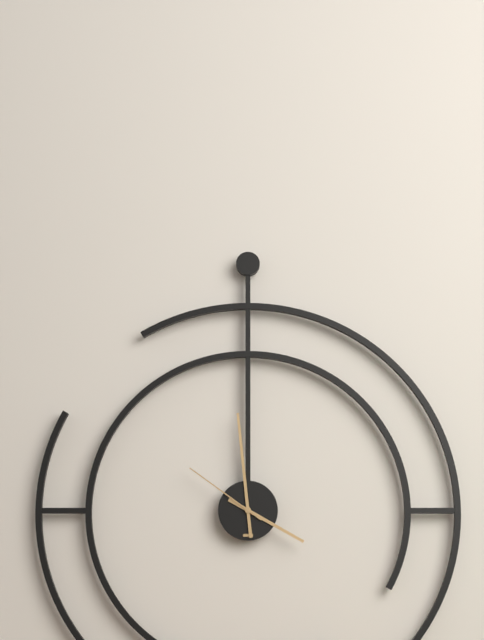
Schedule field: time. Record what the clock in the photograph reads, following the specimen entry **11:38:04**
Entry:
**3:59:51**
